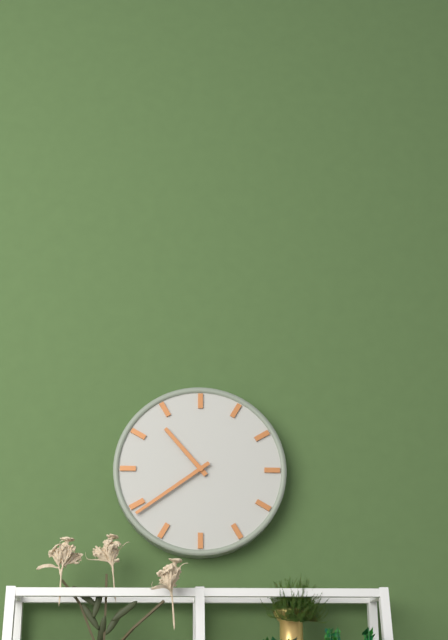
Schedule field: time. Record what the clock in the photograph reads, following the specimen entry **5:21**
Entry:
**10:39**
